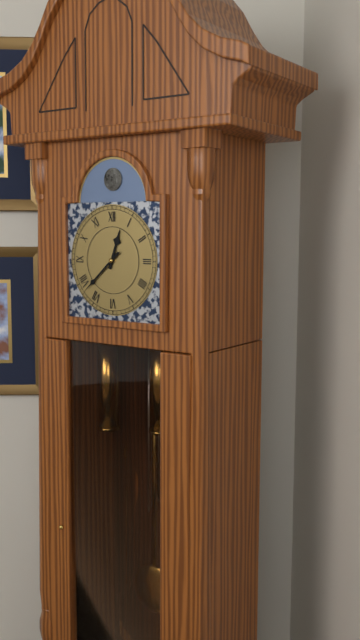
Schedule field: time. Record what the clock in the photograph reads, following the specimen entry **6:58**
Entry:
**12:38**
